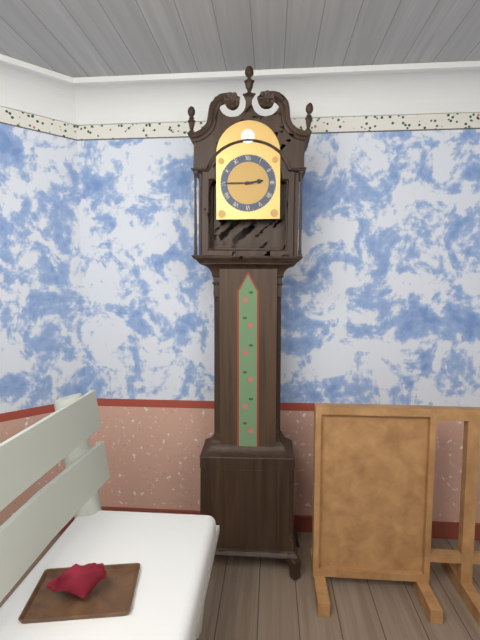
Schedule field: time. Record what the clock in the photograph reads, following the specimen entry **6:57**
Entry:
**2:45**
